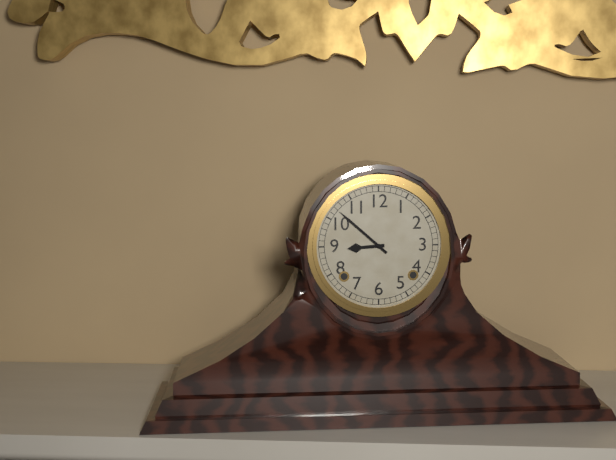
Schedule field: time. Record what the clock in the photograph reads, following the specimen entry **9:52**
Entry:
**8:52**
